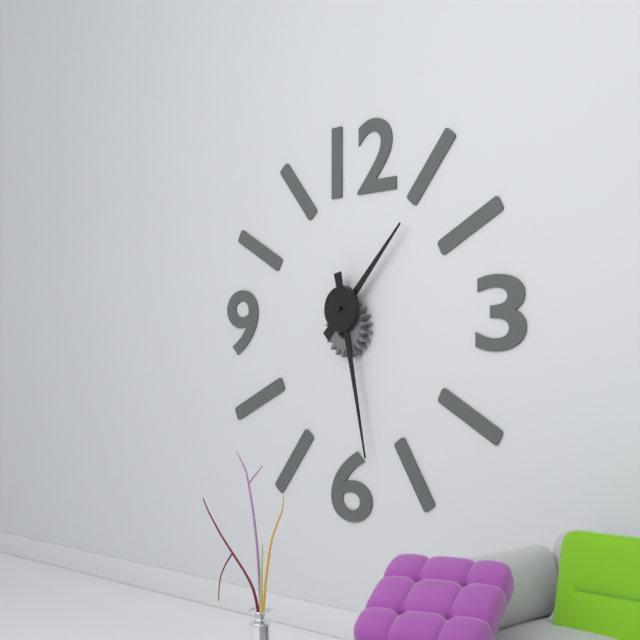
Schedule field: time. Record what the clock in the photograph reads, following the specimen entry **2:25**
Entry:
**1:28**
